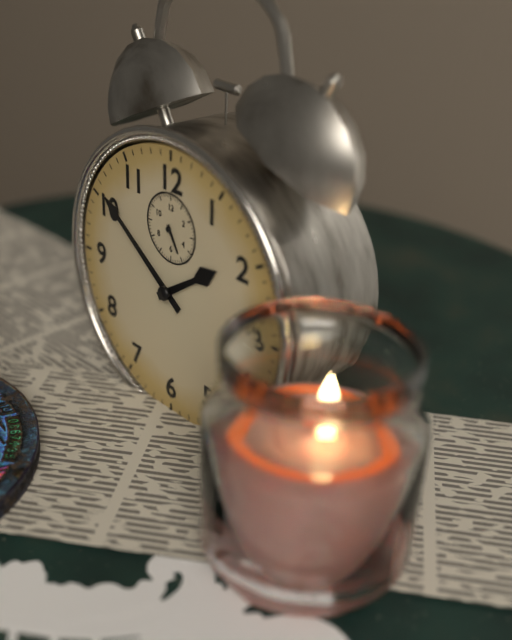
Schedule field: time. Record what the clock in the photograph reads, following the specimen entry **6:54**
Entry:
**1:51**
